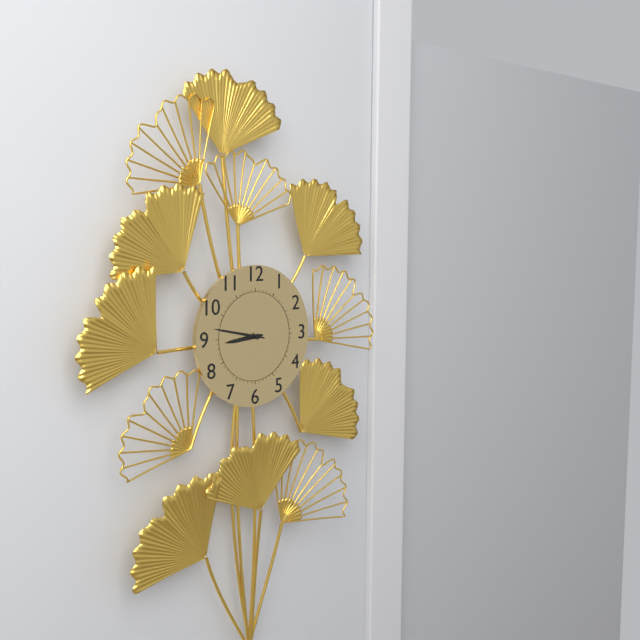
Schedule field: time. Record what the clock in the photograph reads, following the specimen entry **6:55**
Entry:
**8:47**
